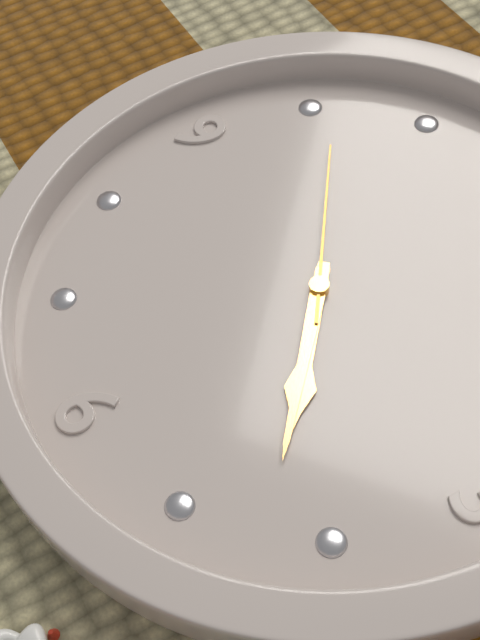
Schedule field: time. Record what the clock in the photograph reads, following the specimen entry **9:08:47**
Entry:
**4:22:51**
